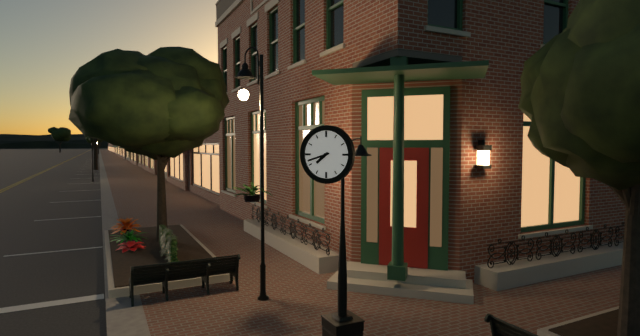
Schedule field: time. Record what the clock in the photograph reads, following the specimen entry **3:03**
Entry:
**7:42**
